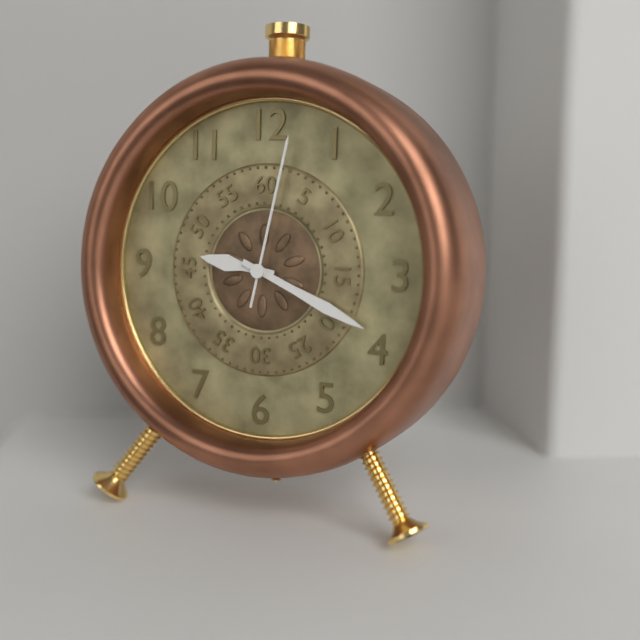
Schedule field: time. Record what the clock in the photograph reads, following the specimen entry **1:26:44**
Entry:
**9:19:02**
